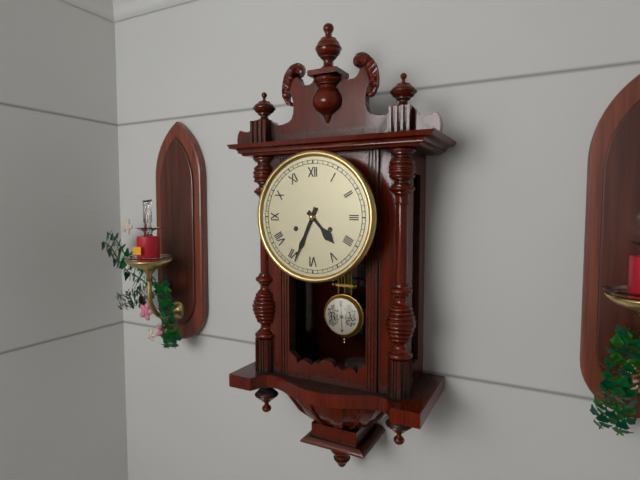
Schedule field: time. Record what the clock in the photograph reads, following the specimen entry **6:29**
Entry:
**4:34**
